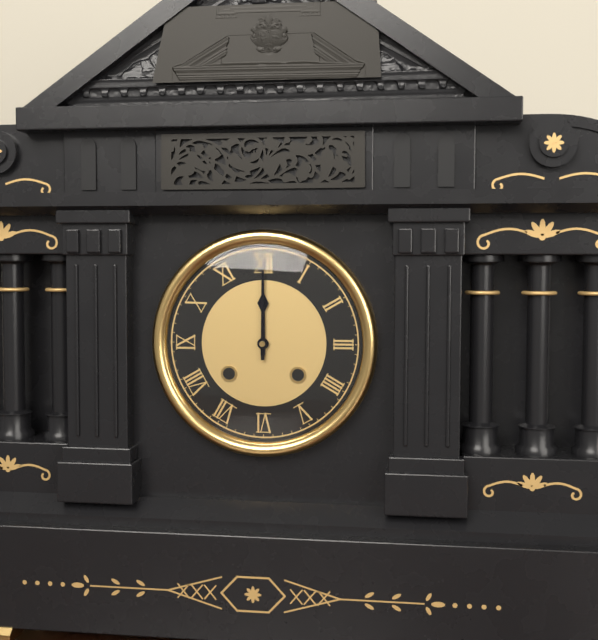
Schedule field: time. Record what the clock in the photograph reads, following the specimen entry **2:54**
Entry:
**12:00**
